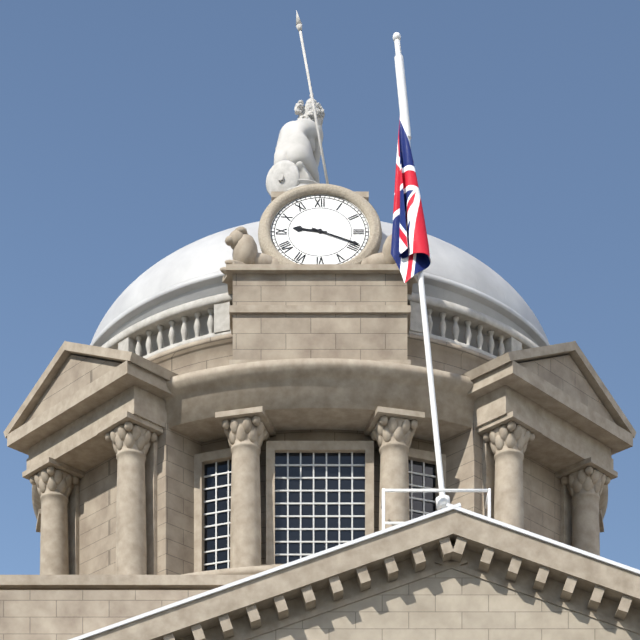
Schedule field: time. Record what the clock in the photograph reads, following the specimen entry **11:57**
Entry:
**9:19**
